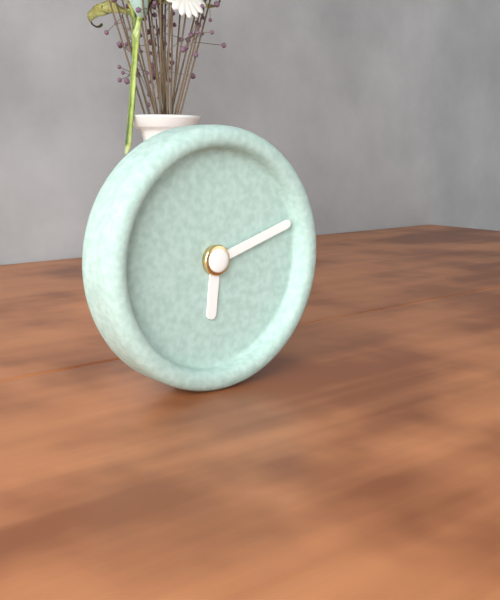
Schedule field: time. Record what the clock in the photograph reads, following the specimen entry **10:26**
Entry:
**6:12**
